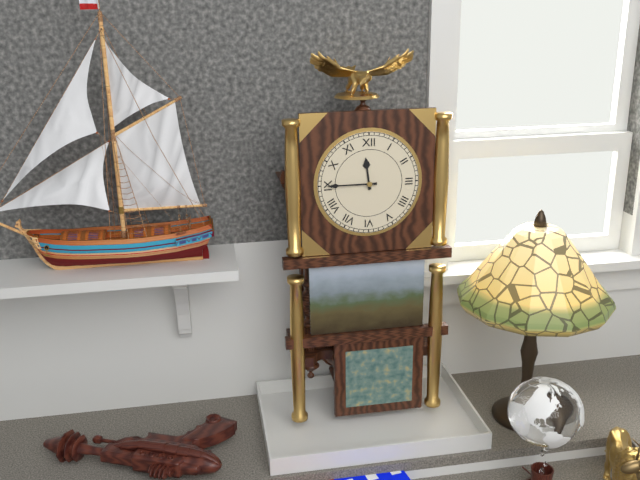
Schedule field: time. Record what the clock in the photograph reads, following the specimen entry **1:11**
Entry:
**11:45**
